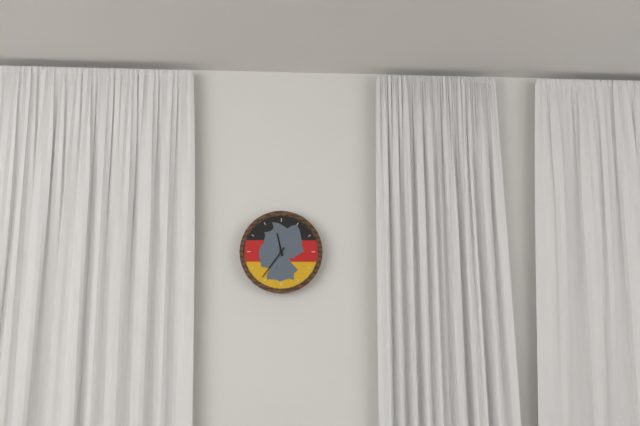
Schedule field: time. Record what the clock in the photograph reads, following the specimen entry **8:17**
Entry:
**11:36**
